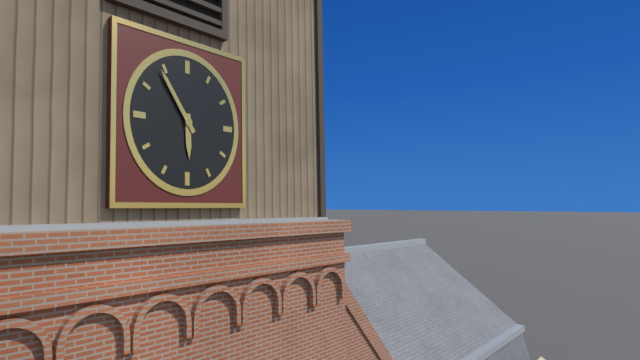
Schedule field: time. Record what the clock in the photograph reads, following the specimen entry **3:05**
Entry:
**5:54**
